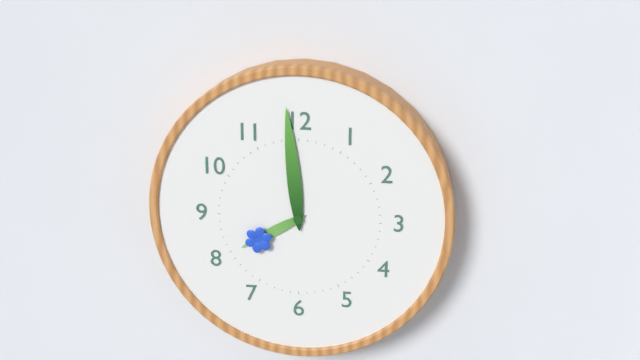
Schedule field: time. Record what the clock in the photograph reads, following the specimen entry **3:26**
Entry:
**7:59**
